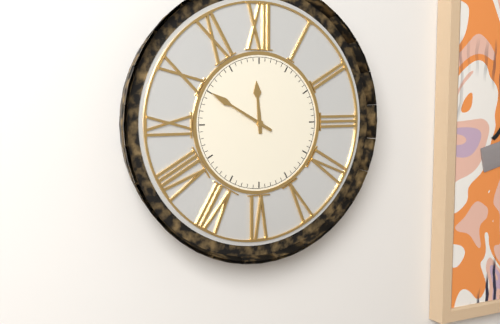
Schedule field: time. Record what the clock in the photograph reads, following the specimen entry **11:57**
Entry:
**11:50**
